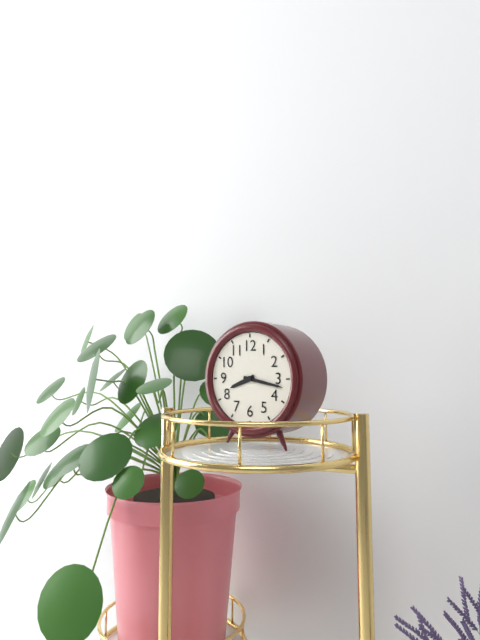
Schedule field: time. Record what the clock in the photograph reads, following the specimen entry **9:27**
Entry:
**8:17**
